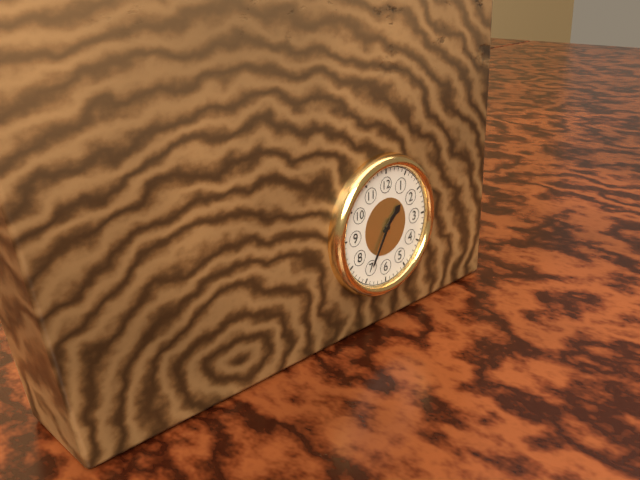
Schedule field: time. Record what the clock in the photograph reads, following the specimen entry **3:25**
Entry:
**1:35**
